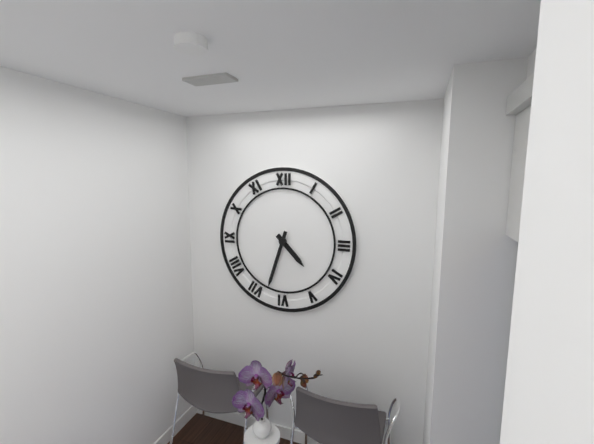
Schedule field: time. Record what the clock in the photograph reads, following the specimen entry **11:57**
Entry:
**4:33**
